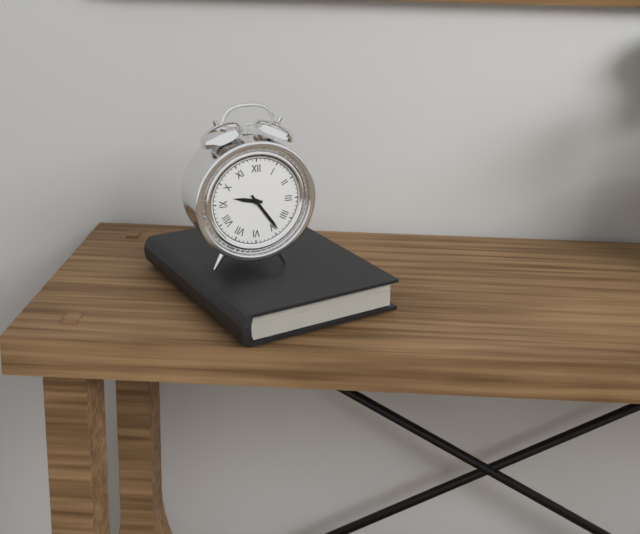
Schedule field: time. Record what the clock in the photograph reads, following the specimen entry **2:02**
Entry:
**9:24**
